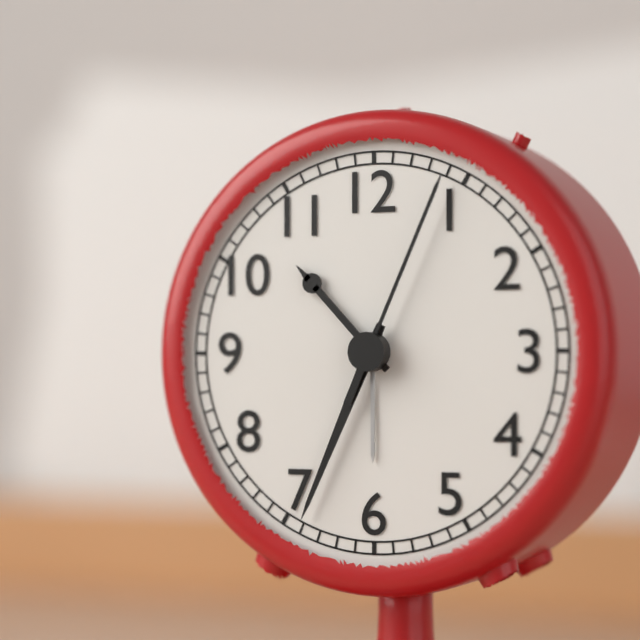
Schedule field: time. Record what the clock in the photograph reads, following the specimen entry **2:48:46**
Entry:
**10:34:04**
